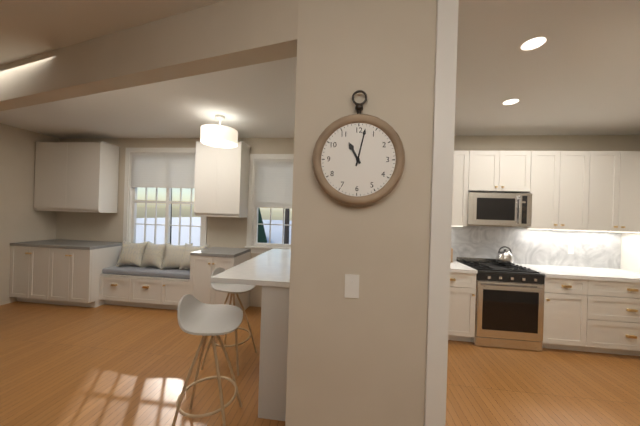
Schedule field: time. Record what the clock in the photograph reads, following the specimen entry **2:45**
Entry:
**11:02**
